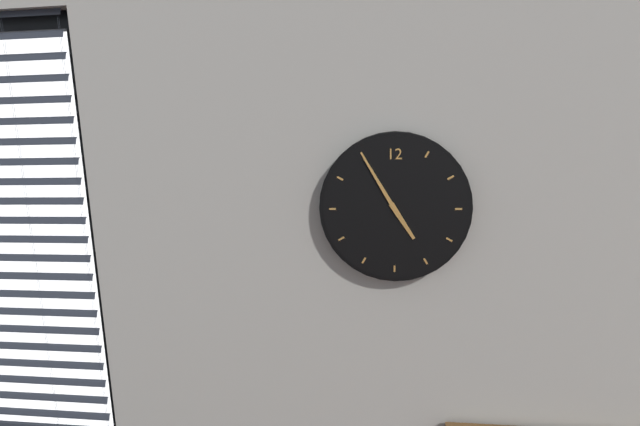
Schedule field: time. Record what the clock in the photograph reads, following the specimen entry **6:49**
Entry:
**4:55**
